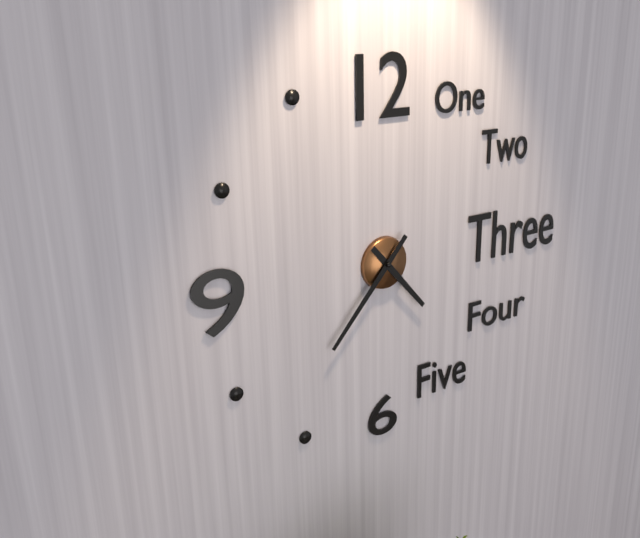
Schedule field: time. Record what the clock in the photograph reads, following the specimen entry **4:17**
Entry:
**4:37**
